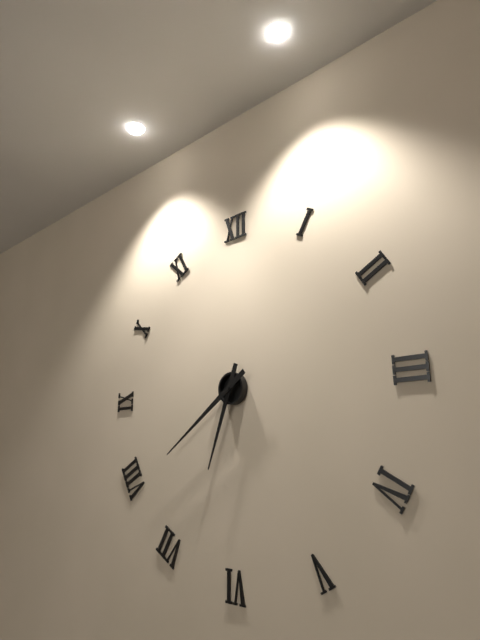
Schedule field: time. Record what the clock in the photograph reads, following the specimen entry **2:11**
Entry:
**6:39**
